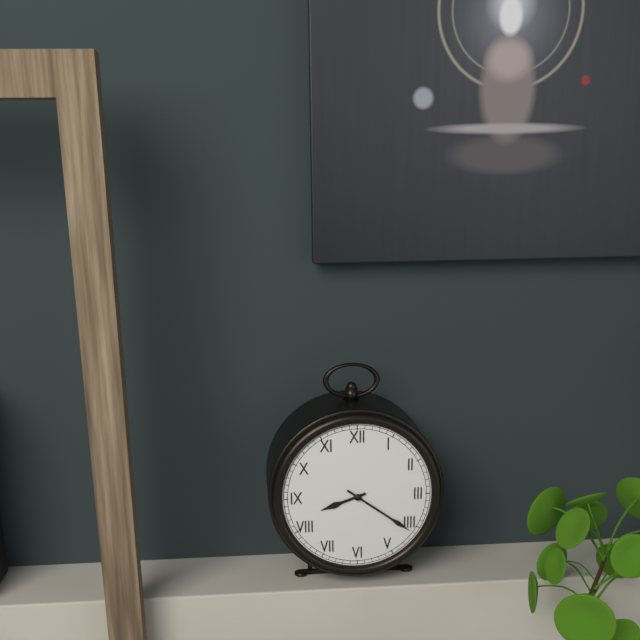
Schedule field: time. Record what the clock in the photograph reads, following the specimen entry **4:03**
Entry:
**8:21**
